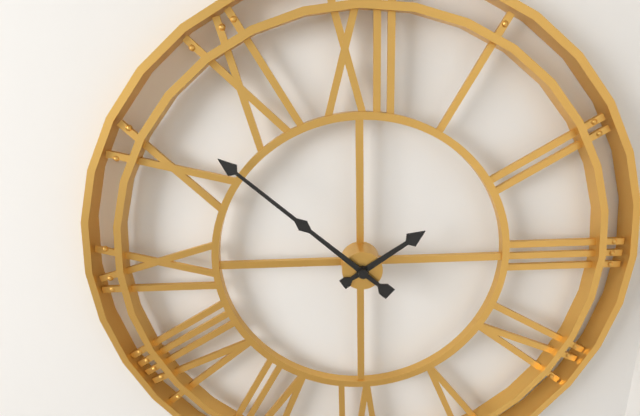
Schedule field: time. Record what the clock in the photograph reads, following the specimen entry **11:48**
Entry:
**1:52**
